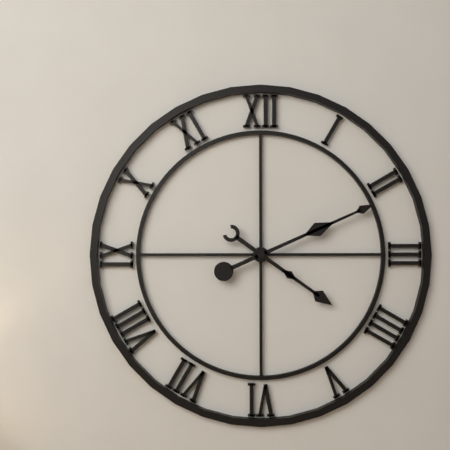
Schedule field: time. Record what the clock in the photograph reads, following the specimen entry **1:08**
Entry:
**4:11**
